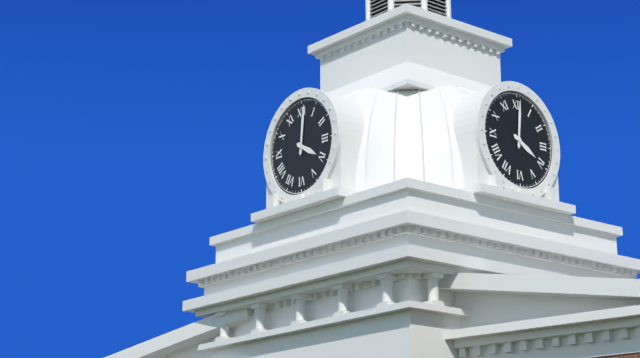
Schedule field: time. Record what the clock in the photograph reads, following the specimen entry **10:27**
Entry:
**4:01**
